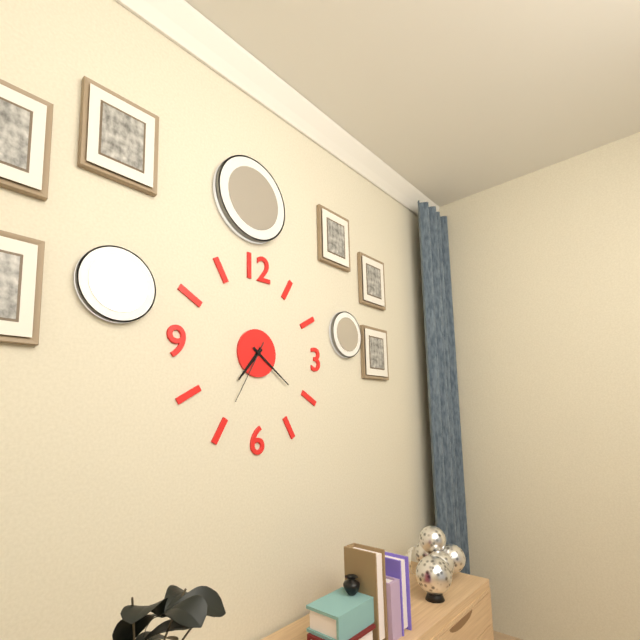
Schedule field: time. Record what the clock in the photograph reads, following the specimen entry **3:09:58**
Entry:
**7:21:35**
